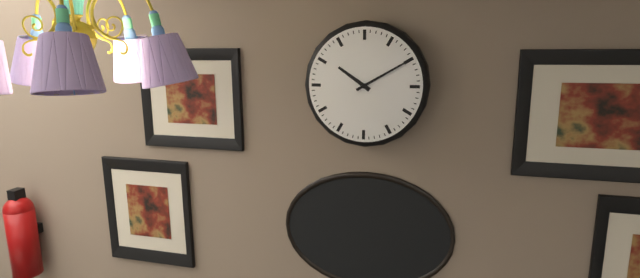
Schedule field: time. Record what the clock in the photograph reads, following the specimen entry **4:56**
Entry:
**10:10**
